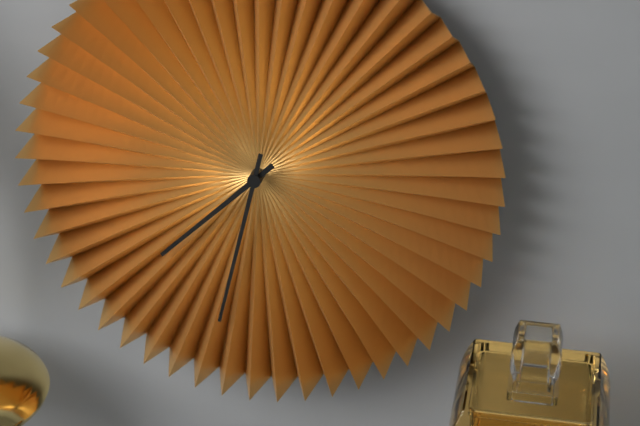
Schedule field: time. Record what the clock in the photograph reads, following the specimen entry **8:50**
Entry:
**7:32**
